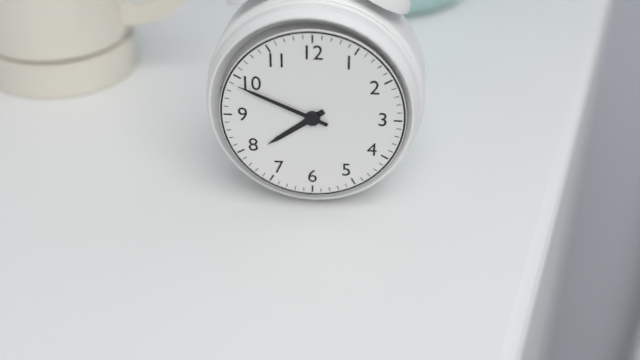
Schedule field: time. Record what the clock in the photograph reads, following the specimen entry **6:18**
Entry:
**7:49**
